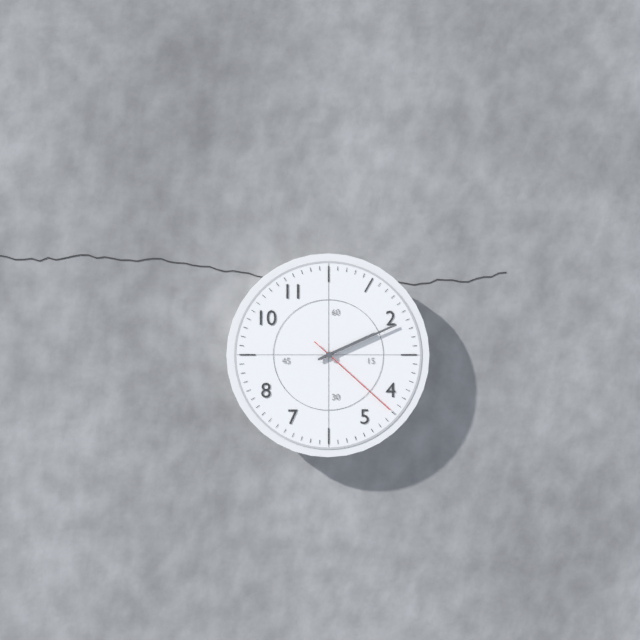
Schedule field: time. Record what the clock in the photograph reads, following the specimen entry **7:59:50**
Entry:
**2:11:22**
